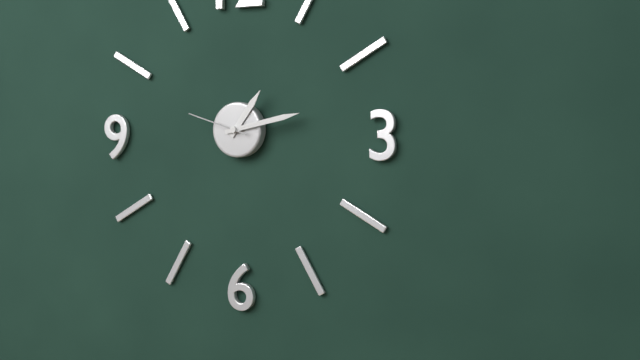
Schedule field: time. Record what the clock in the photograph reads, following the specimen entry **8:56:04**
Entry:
**1:13:48**
